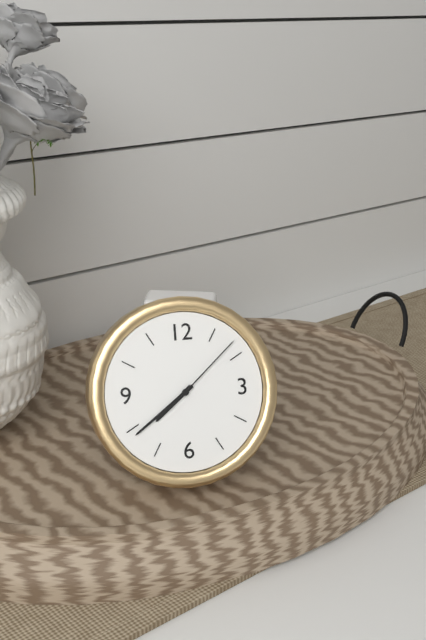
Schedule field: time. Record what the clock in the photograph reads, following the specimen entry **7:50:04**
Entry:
**7:39:08**
